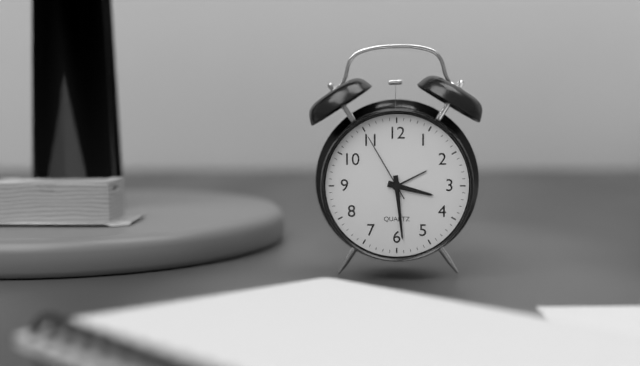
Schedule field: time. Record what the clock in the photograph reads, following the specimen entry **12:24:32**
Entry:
**3:29:55**
